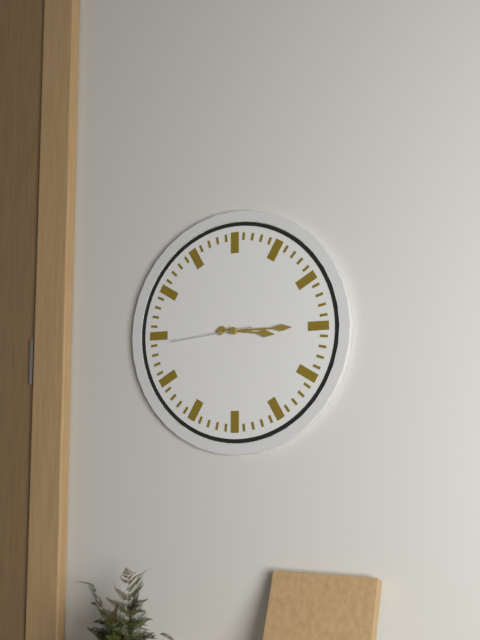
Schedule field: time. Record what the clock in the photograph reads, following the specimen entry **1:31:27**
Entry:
**3:15:44**
